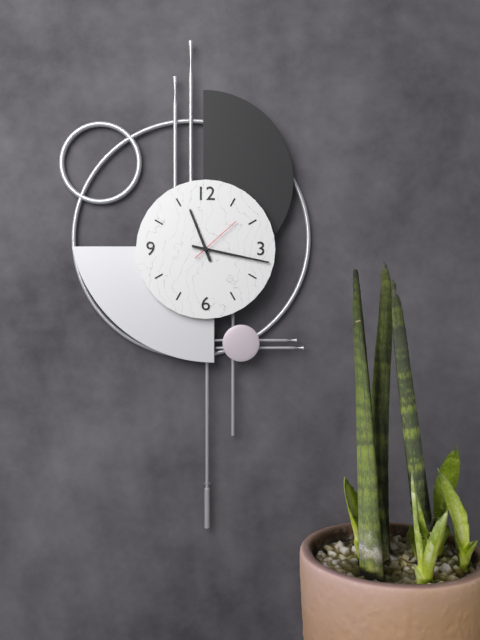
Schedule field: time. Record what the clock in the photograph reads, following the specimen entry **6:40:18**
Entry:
**11:17:08**
